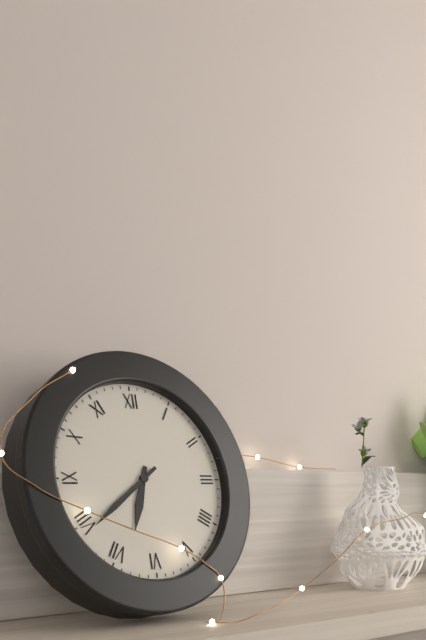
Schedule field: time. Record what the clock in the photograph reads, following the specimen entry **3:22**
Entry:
**6:39**
